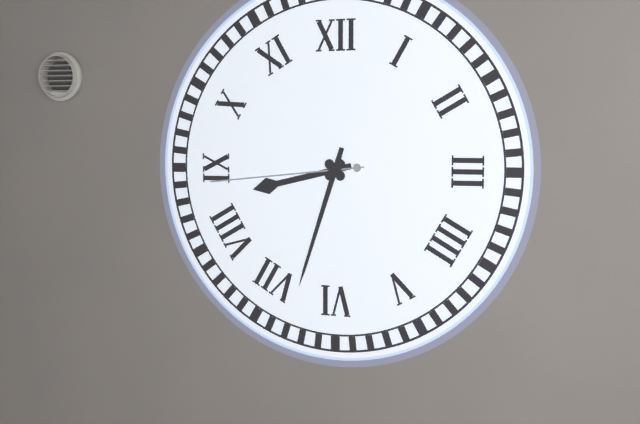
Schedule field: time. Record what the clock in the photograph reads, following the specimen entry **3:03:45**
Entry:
**8:33:44**
